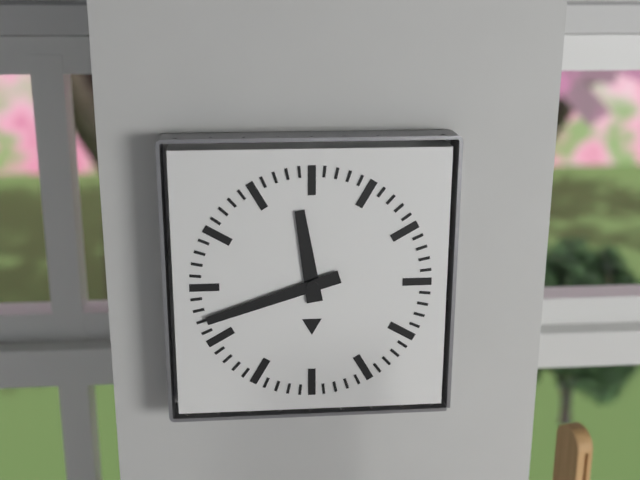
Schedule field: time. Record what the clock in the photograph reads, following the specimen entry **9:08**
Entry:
**11:42**
